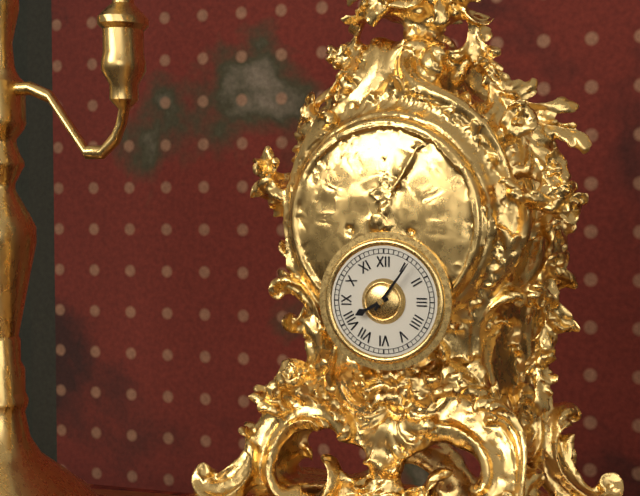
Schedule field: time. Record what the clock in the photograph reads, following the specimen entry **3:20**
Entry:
**8:06**
